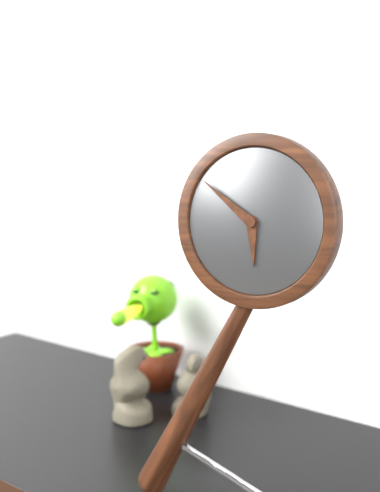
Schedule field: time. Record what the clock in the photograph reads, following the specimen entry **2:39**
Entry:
**5:51**
